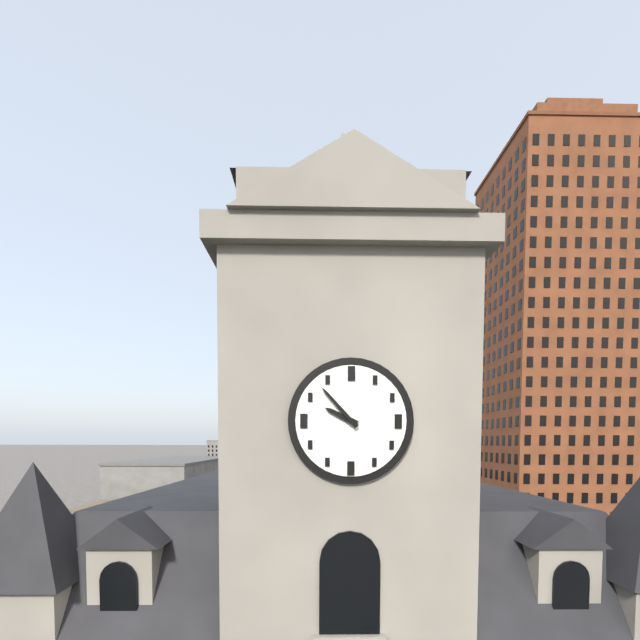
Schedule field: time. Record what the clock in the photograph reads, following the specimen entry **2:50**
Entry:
**9:53**
